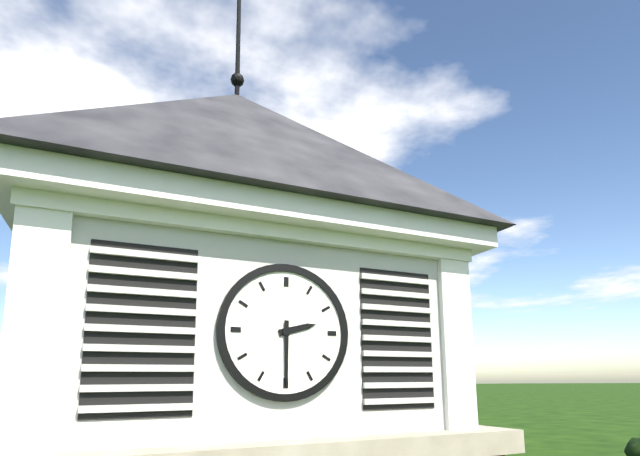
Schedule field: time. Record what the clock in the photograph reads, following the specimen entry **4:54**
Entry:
**2:30**
